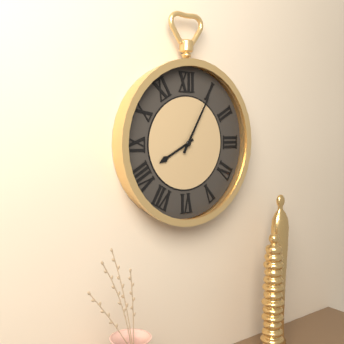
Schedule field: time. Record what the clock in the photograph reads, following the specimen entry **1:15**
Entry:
**8:05**
